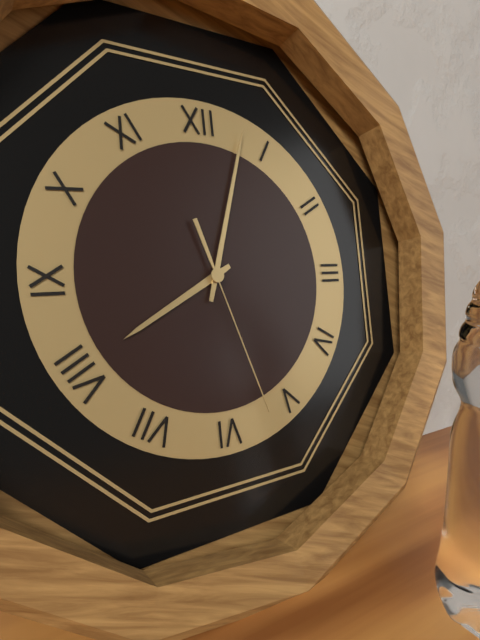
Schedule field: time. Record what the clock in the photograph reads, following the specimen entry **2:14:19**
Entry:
**8:03:27**
